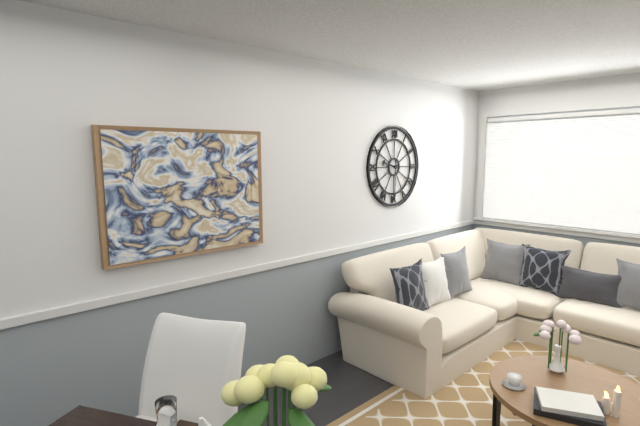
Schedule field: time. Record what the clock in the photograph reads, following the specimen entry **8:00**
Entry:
**9:30**
